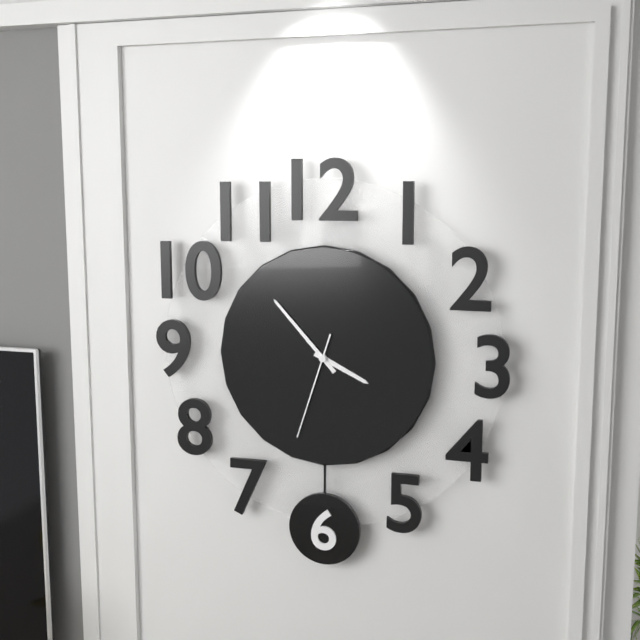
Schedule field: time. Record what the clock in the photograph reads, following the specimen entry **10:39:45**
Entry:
**3:53:33**
